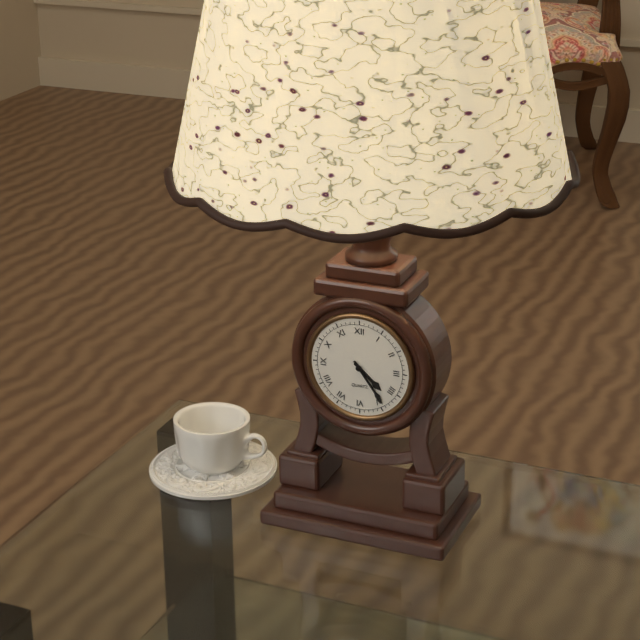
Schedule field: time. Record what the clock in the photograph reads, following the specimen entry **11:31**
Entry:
**4:24**
